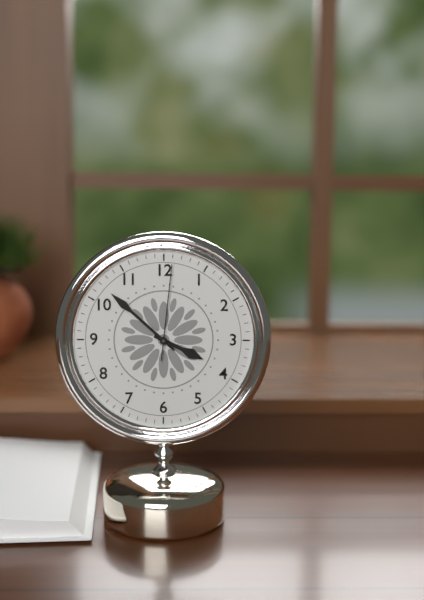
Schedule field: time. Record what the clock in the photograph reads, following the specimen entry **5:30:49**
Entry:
**3:52:01**
